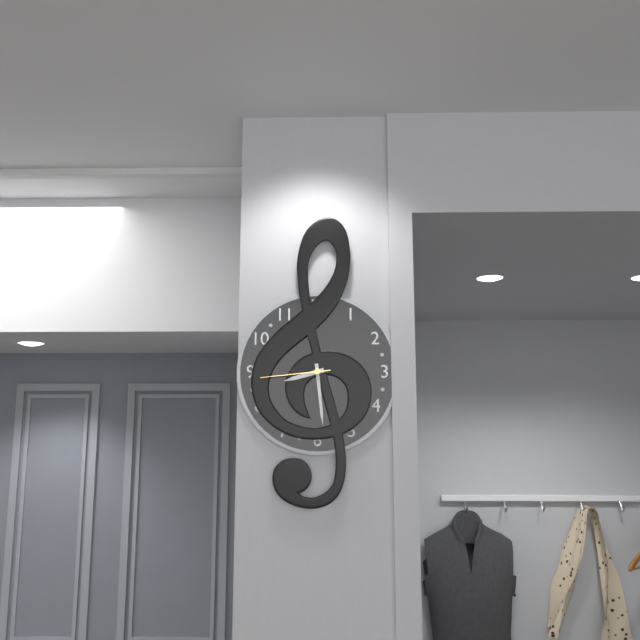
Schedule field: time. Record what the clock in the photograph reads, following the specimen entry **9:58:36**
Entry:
**8:29:44**
